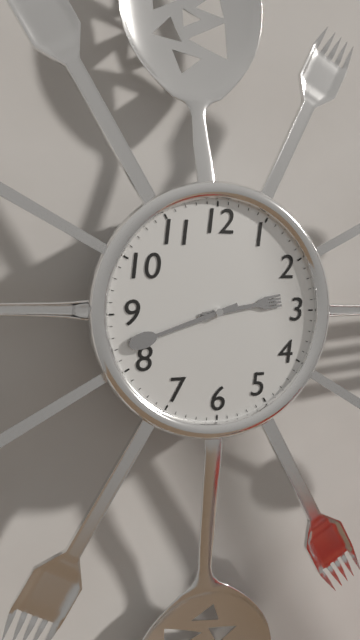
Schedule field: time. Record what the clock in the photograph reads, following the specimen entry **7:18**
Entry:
**2:42**
